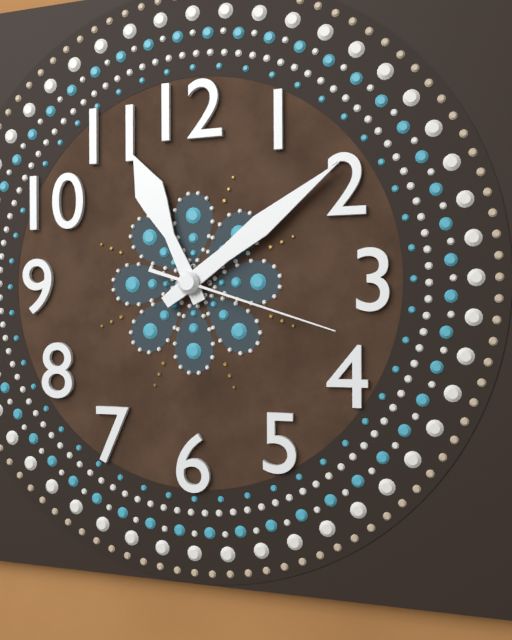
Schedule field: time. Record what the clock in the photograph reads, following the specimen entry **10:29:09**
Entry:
**11:09:18**
